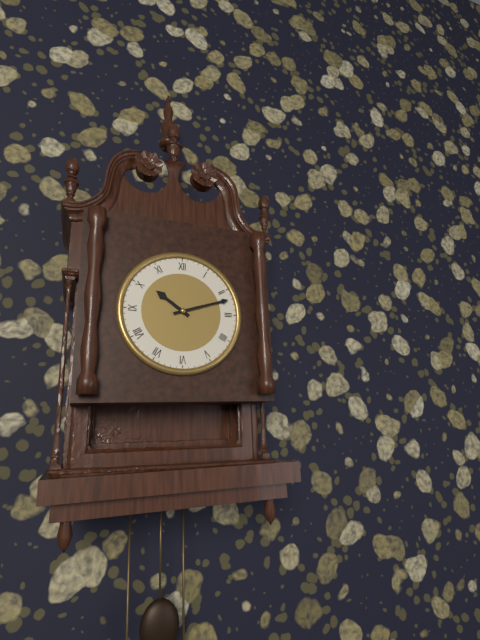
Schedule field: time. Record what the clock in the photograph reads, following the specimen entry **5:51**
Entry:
**10:12**
